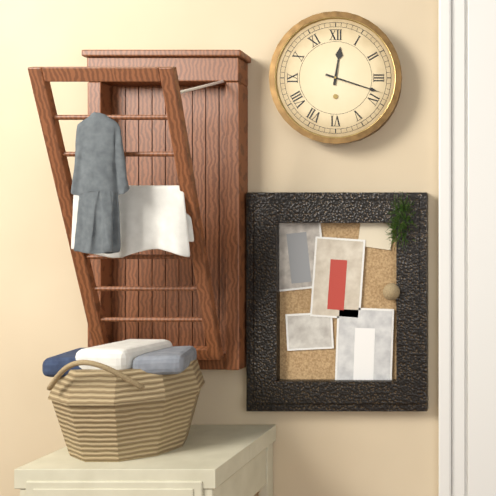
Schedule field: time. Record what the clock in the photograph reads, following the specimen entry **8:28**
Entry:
**12:18**
